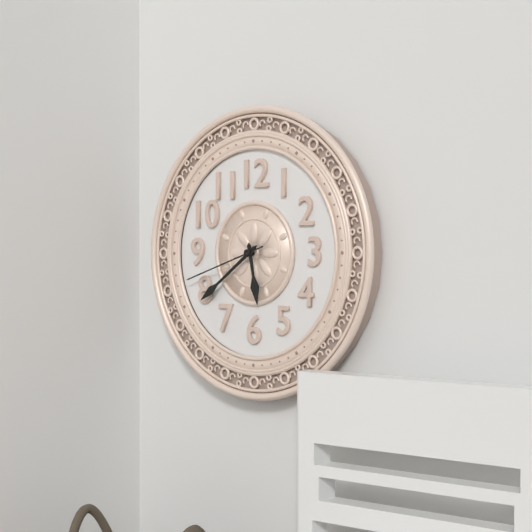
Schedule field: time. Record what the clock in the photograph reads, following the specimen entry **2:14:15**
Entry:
**5:39:42**
